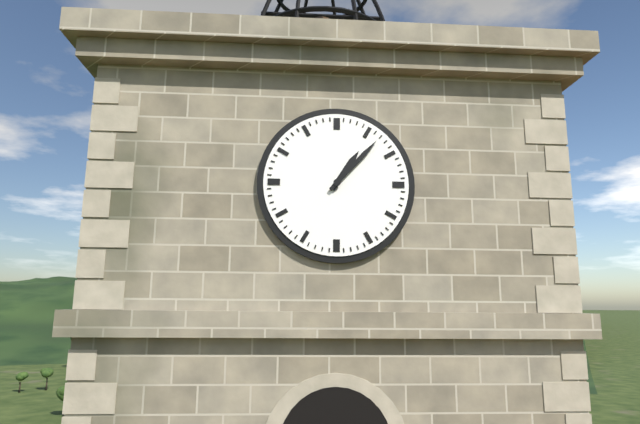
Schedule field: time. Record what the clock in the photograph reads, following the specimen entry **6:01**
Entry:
**1:07**
